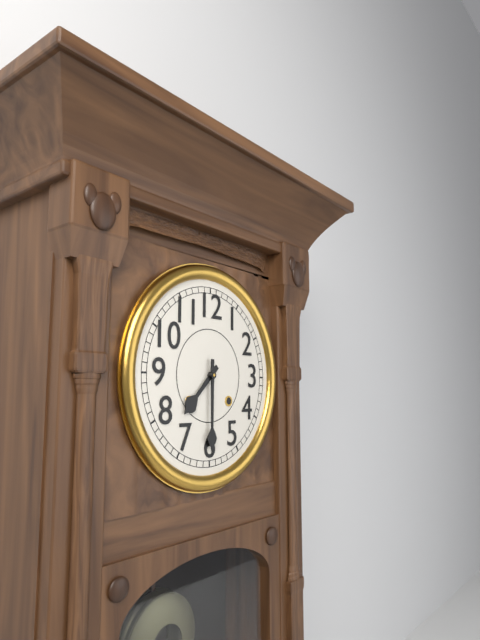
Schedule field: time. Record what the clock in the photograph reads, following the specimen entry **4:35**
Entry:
**7:30**
